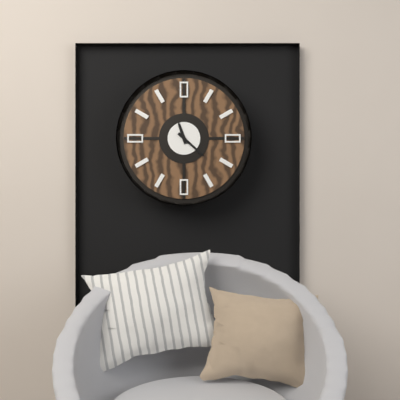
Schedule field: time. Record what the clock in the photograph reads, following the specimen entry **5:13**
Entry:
**11:22**
